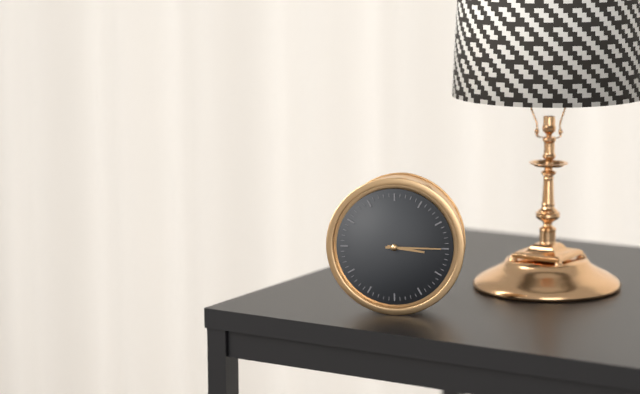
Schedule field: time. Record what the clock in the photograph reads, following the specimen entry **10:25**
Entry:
**3:15**
